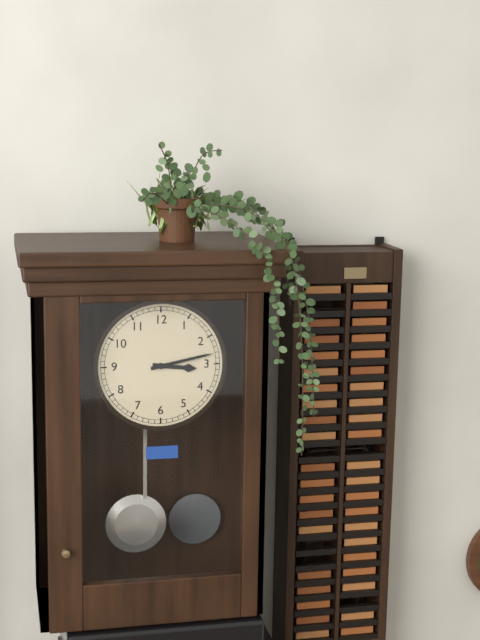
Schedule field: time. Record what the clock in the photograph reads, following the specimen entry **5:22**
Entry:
**3:13**
